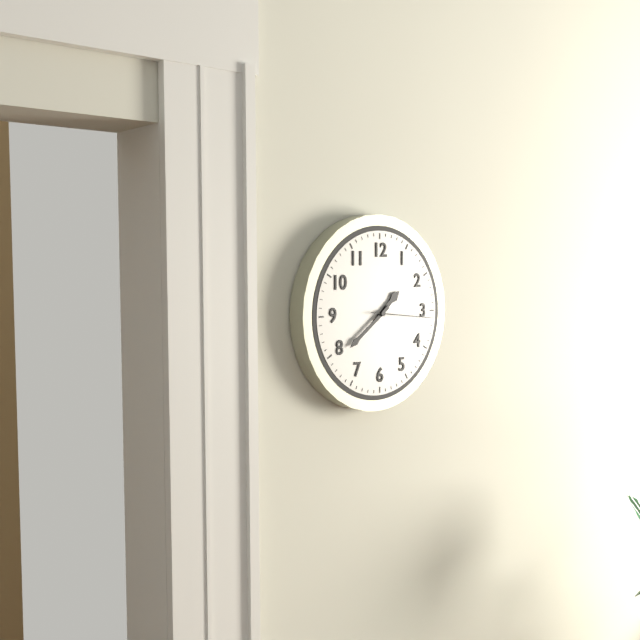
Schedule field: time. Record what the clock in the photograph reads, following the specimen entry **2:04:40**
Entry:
**1:39:16**
